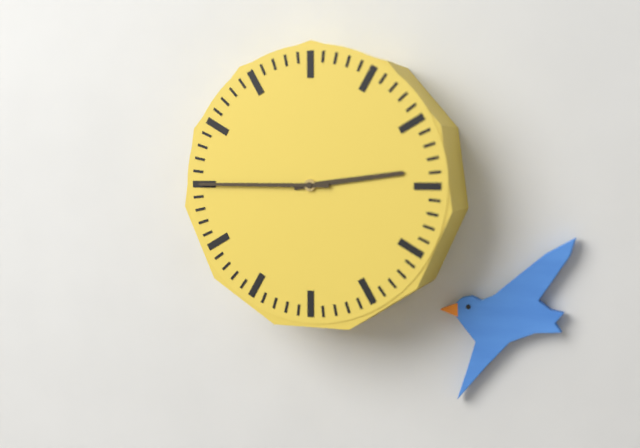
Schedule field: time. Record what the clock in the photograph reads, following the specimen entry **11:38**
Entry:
**2:45**
